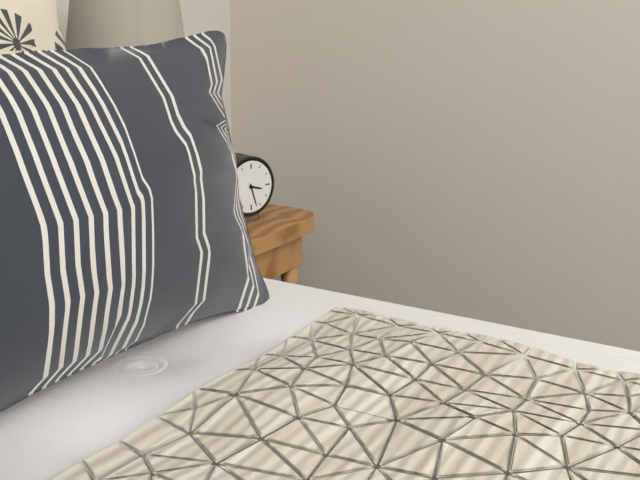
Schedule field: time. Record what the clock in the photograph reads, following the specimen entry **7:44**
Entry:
**3:27**
